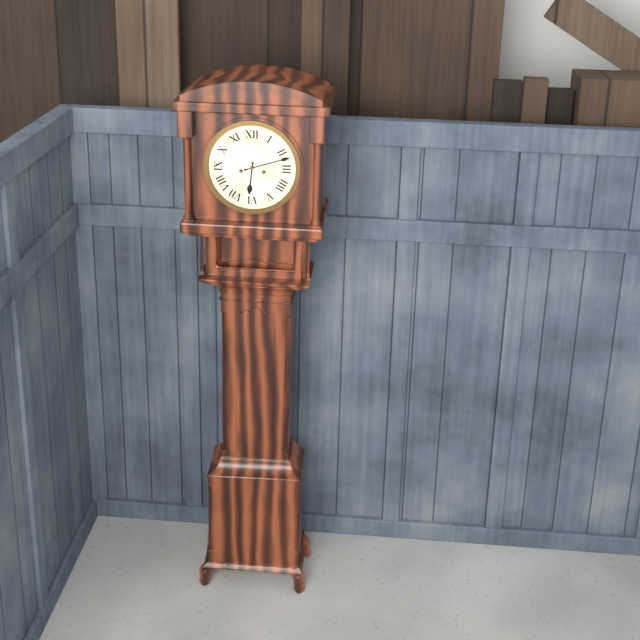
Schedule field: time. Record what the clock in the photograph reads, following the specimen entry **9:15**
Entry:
**6:12**
